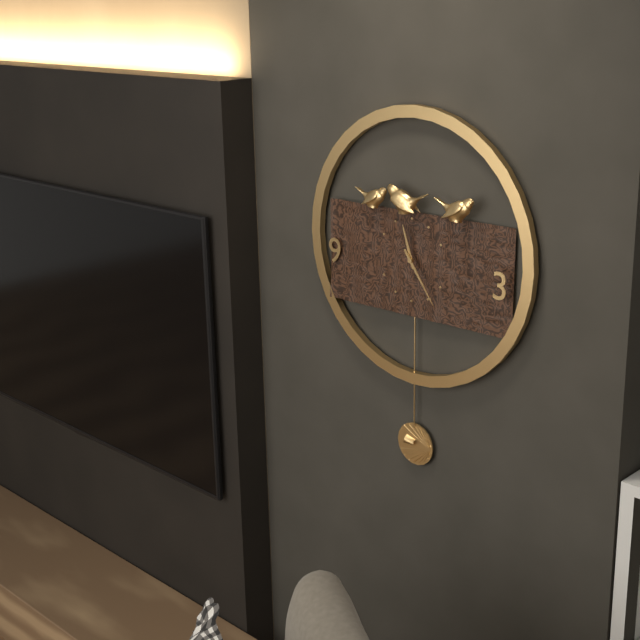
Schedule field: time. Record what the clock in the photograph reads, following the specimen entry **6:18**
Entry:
**11:24**
